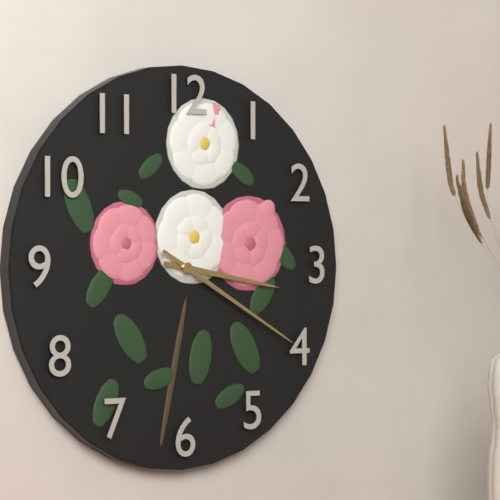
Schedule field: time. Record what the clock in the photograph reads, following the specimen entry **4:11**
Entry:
**3:20**
